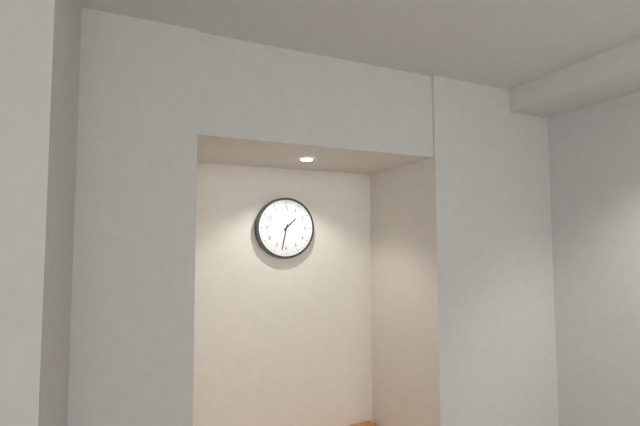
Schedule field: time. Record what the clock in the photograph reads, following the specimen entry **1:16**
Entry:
**1:32**
